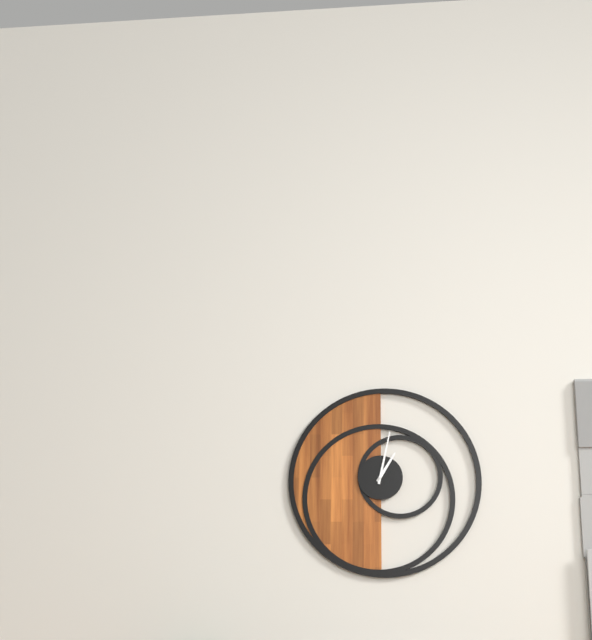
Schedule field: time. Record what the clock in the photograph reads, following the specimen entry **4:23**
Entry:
**1:02**
